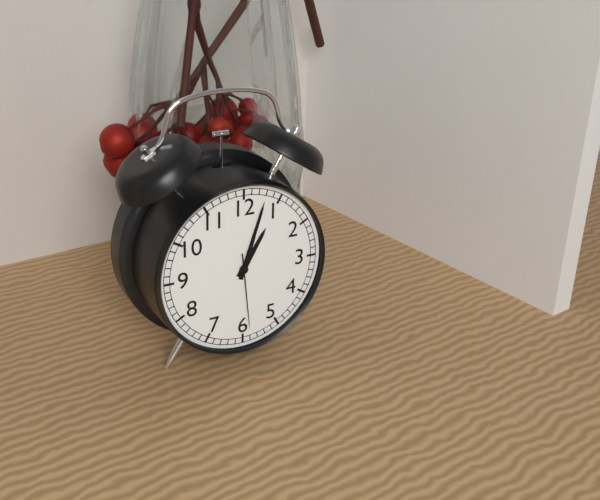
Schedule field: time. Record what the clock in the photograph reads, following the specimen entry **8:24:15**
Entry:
**1:03:29**
